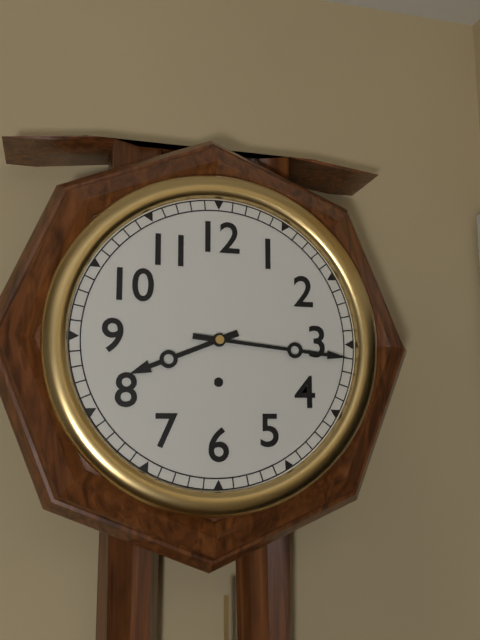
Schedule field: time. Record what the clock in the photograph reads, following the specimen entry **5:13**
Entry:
**8:16**
